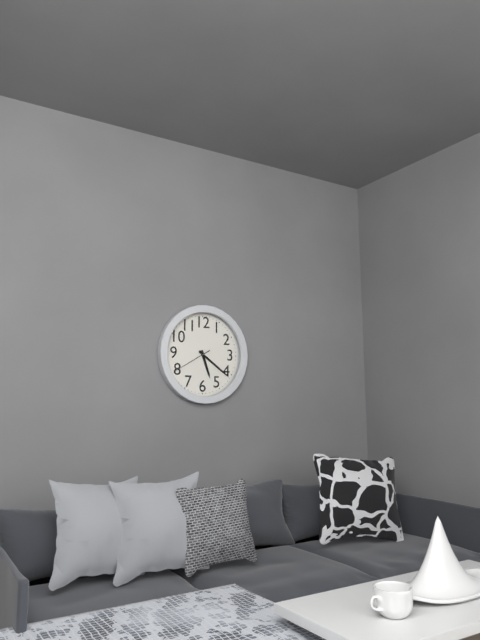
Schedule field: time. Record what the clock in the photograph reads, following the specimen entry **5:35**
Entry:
**5:21**
